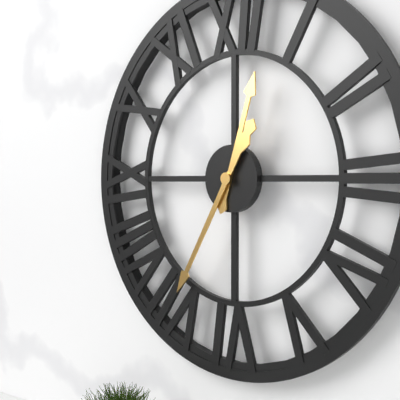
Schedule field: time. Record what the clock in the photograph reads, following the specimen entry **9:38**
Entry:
**12:35**
